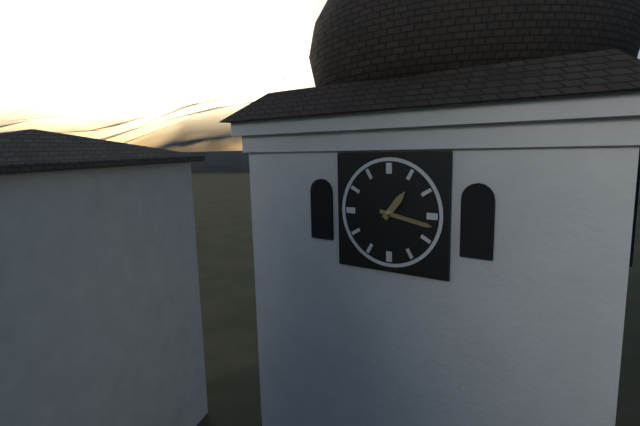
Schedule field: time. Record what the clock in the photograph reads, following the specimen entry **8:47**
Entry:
**1:17**
